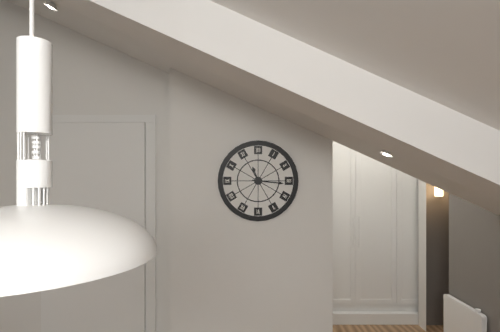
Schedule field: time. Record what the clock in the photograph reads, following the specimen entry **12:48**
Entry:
**11:16**
